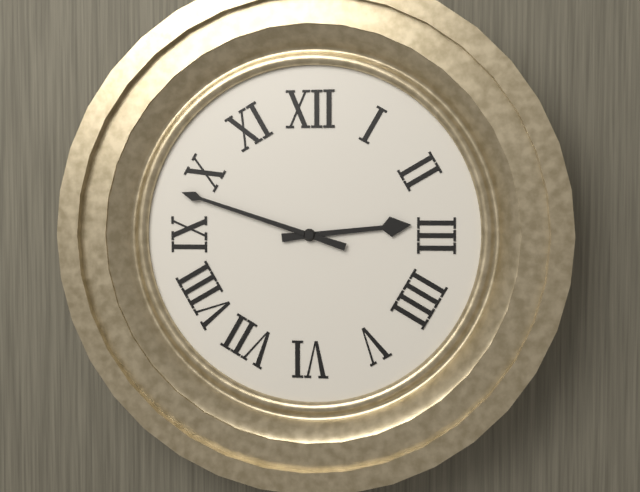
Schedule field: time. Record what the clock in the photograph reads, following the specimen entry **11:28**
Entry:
**2:48**
